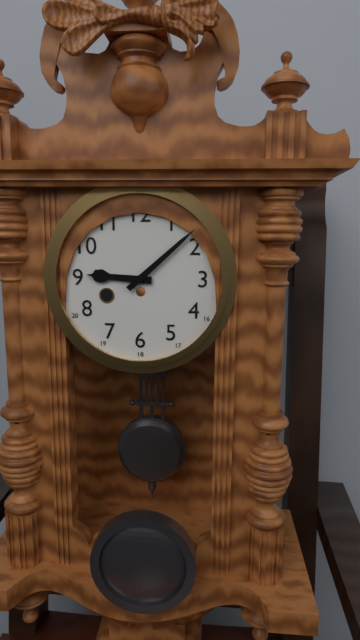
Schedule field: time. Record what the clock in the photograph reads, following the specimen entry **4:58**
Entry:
**9:08**
